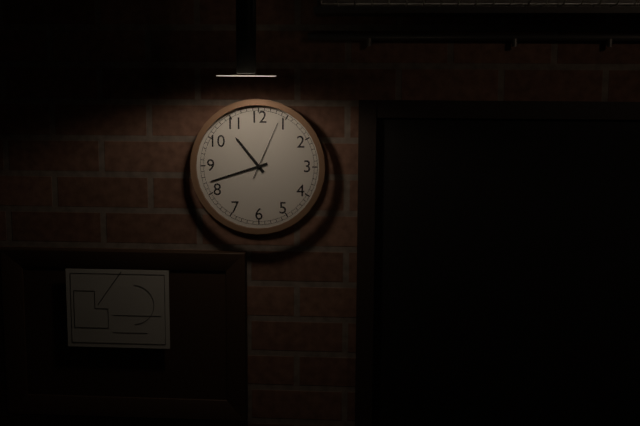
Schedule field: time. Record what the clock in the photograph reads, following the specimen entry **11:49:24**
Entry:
**10:42:04**
